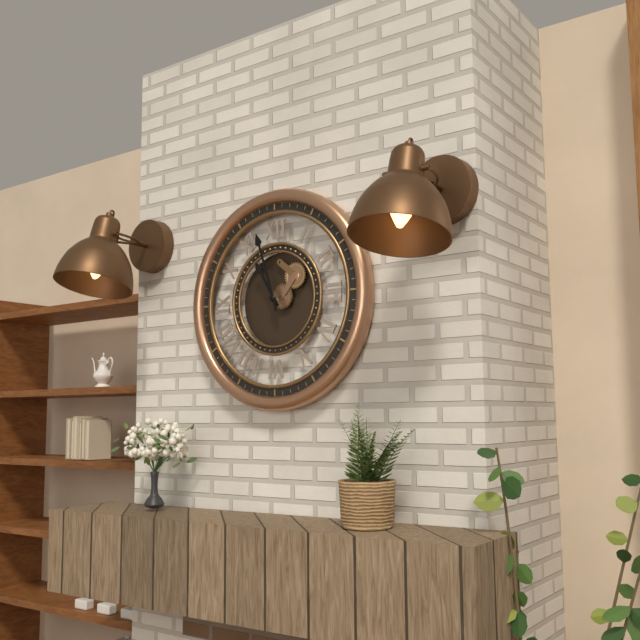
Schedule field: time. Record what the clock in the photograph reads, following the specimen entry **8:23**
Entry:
**10:57**
